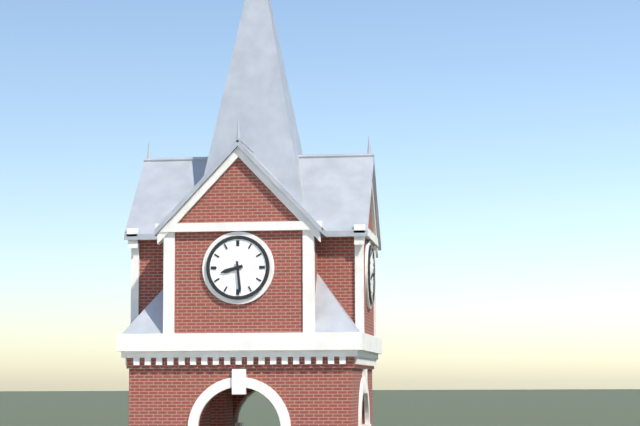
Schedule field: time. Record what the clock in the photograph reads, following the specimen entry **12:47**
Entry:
**8:29**
